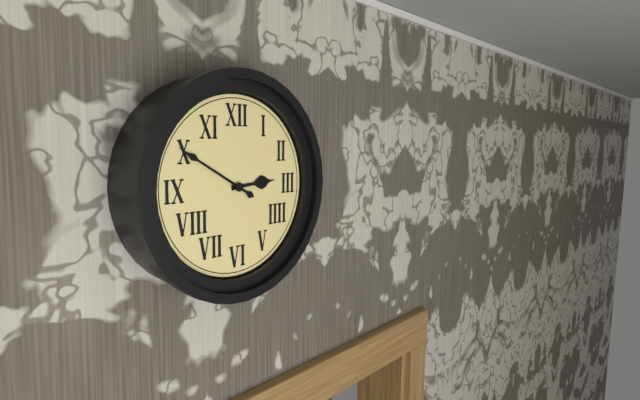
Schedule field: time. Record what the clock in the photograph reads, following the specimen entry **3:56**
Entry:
**2:50**
